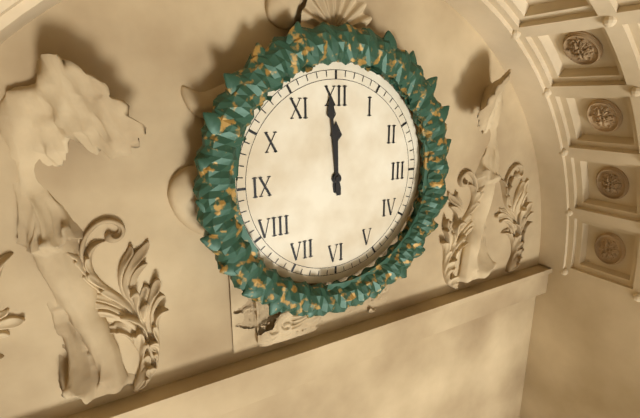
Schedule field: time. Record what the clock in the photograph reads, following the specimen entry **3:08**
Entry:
**11:59**
